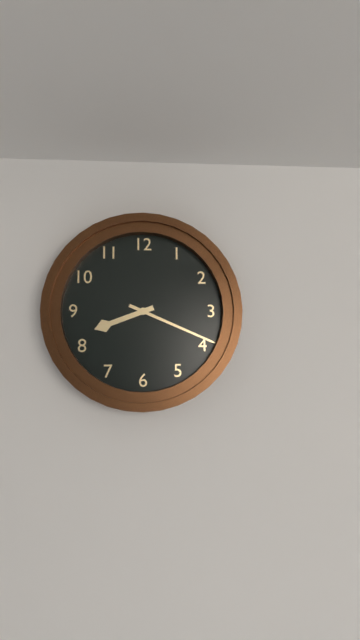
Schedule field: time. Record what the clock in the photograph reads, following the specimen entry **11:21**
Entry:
**8:19**
